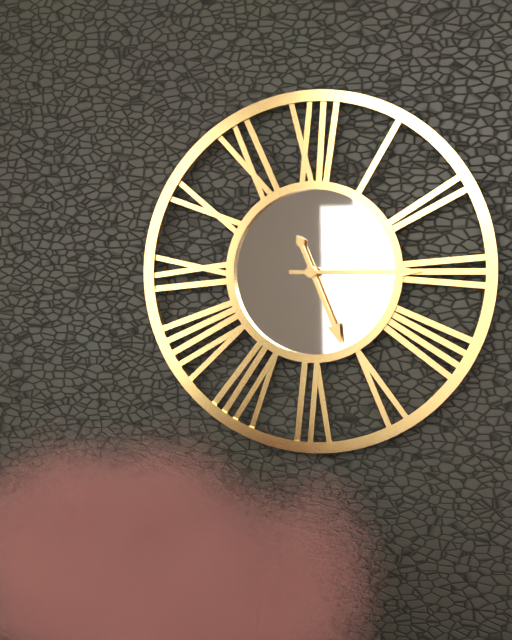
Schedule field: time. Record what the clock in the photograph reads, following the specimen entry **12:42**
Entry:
**5:15**
